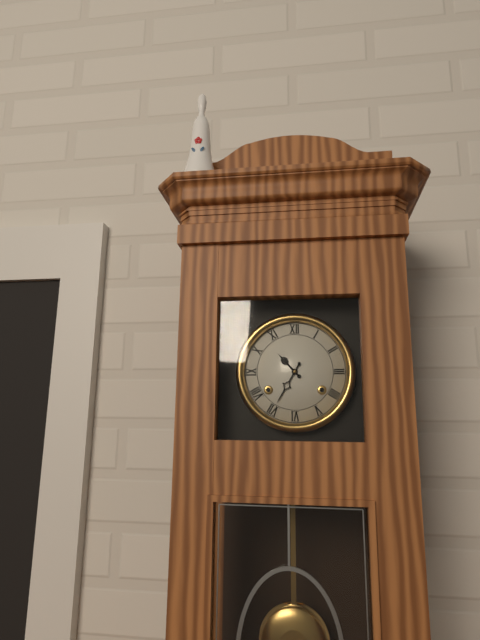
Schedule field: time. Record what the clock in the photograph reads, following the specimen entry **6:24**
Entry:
**10:35**
